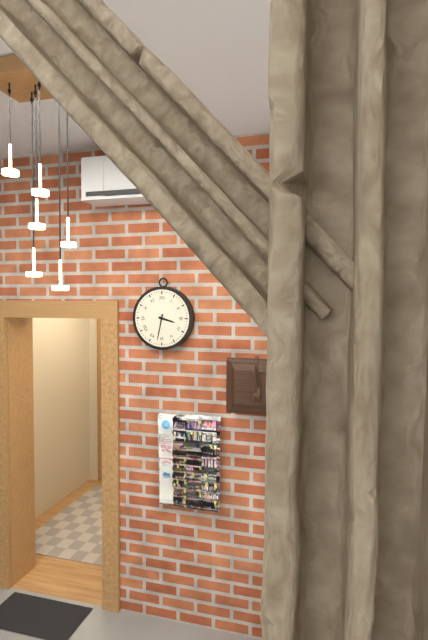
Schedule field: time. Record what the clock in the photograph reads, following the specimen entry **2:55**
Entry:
**3:32**
